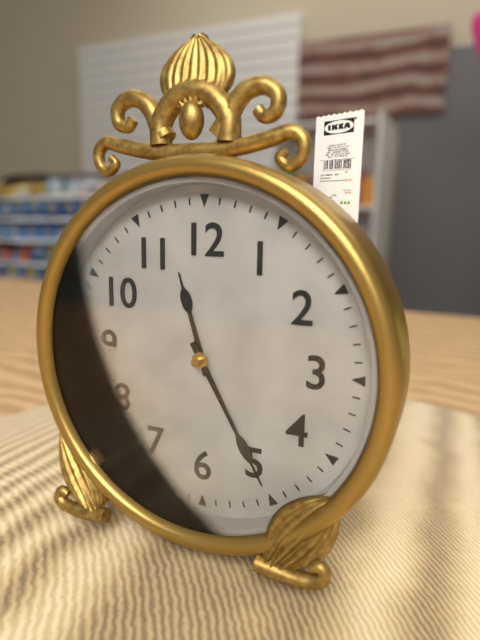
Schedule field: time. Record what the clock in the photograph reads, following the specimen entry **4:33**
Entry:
**11:25**
